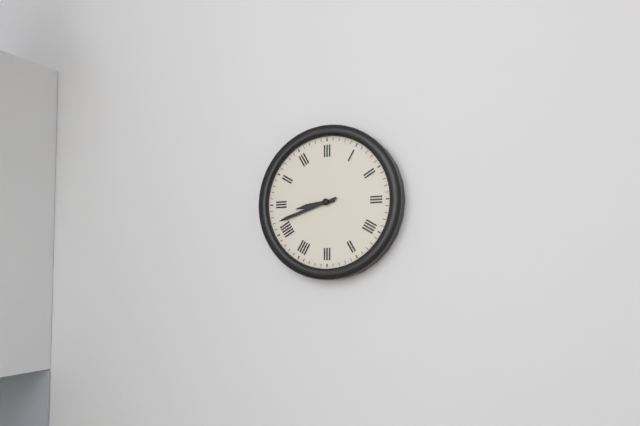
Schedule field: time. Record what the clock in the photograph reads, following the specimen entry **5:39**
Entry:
**8:42**
